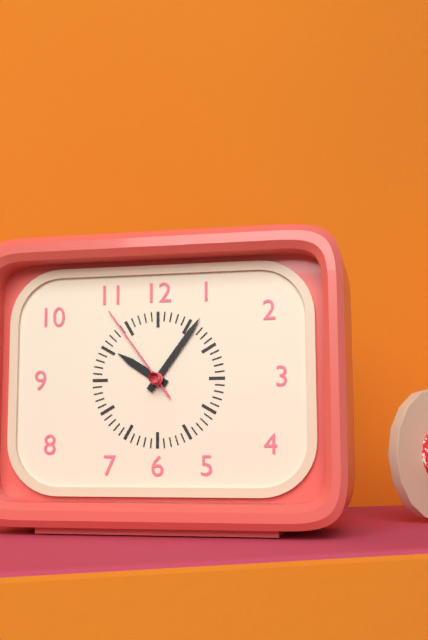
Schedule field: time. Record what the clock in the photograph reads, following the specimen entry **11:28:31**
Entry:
**10:06:54**
